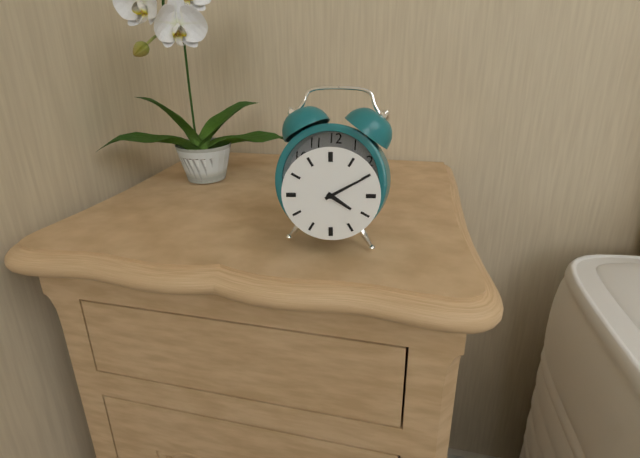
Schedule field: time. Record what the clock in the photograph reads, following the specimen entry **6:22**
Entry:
**4:10**
